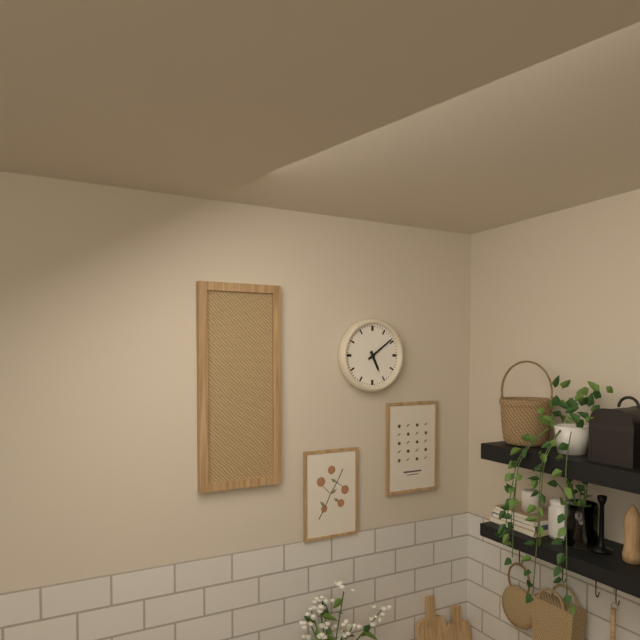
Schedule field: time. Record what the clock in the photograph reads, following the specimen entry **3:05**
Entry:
**5:09**
